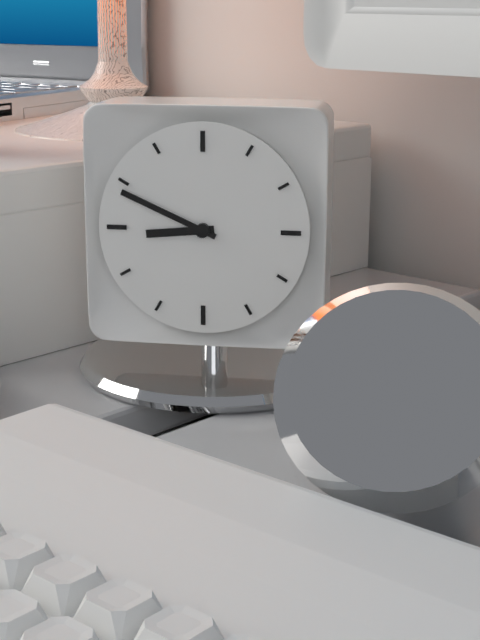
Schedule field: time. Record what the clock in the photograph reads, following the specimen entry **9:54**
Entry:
**8:49**
